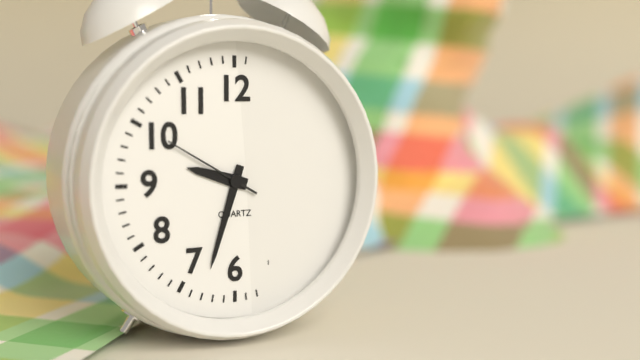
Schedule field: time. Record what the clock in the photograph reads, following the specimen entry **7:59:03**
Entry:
**9:33:50**
